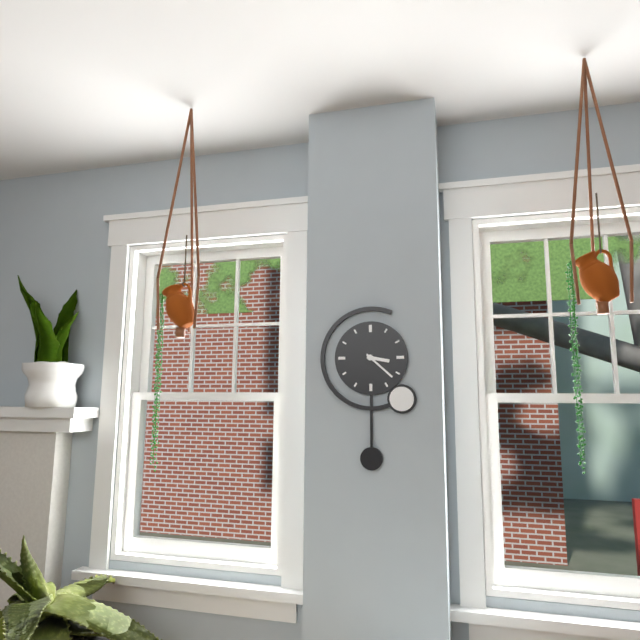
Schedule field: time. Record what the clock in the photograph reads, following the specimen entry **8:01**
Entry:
**3:22**
